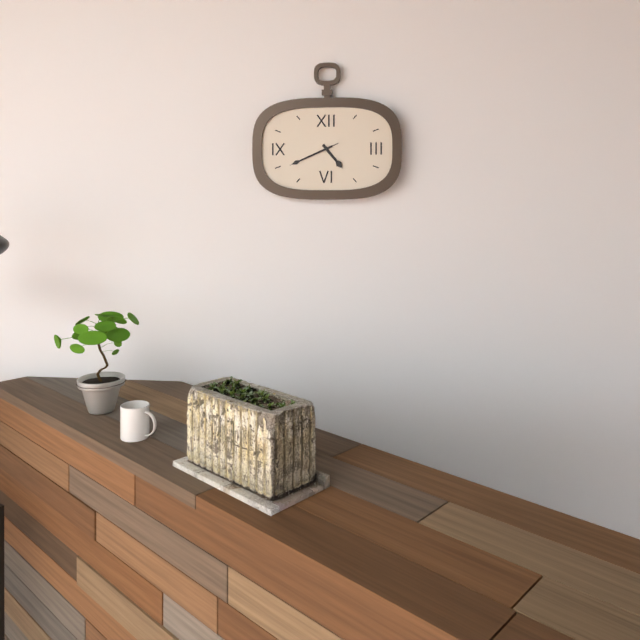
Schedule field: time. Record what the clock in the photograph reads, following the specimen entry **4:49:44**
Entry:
**4:41:41**
